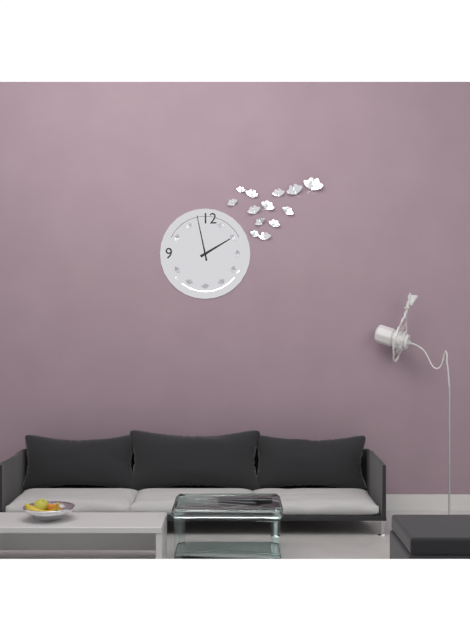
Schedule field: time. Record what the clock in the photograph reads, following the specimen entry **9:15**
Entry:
**1:58**
